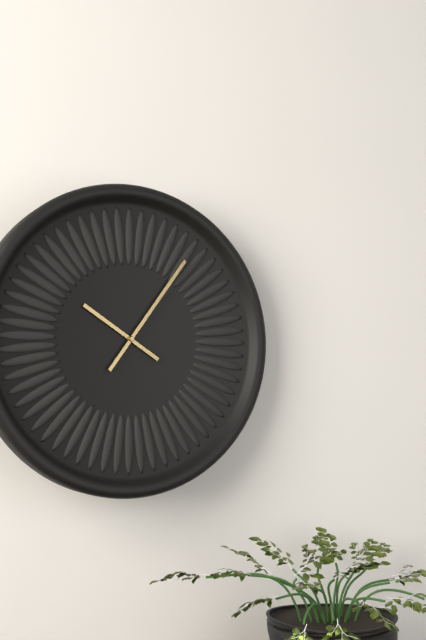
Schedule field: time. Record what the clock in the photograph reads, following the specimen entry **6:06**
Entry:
**10:06**
